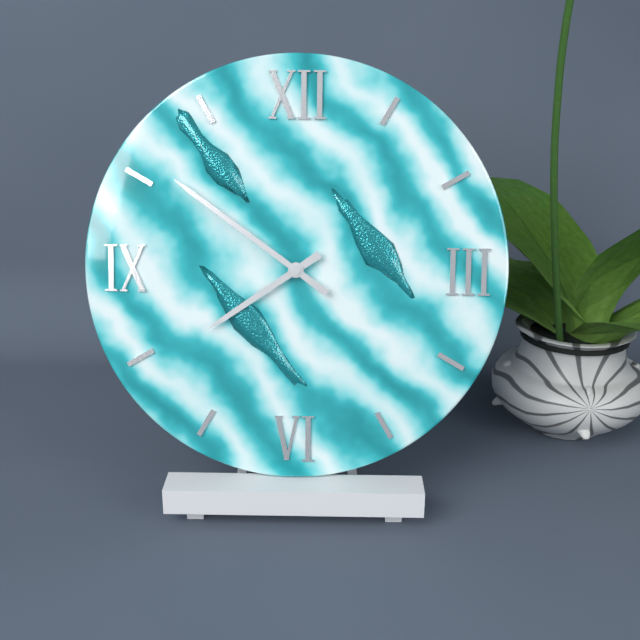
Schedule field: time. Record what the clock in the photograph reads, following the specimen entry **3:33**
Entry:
**7:51**
